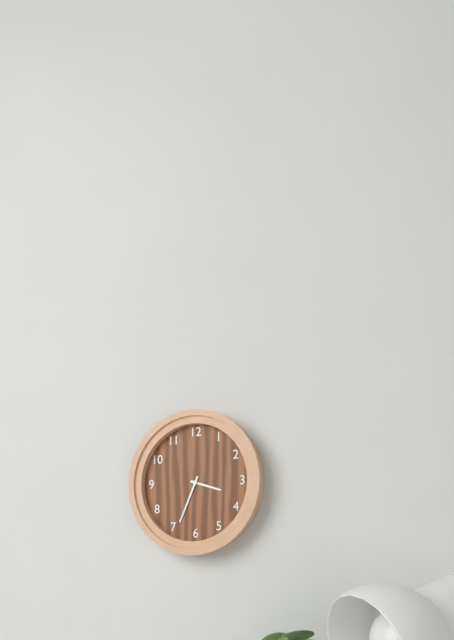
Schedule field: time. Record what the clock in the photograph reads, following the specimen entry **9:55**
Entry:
**3:34**
